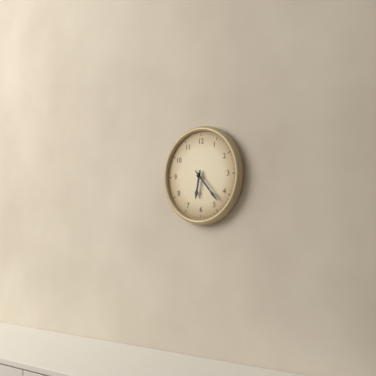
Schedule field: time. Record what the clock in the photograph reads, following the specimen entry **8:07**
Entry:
**6:23**
